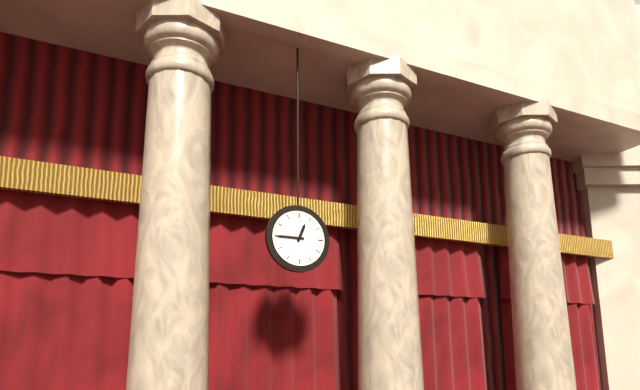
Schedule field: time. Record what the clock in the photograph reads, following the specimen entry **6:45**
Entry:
**12:45**
